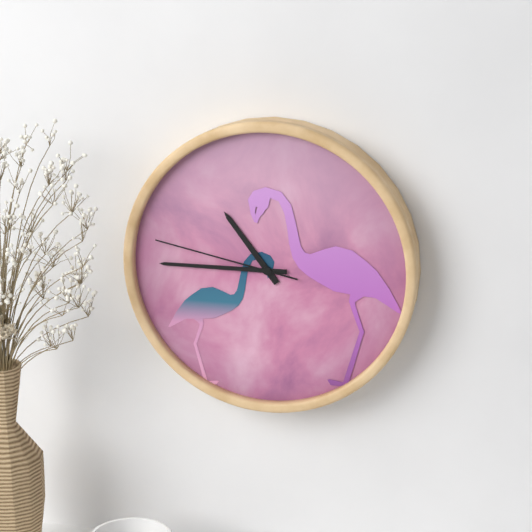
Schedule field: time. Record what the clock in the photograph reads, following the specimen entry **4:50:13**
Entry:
**10:45:47**
